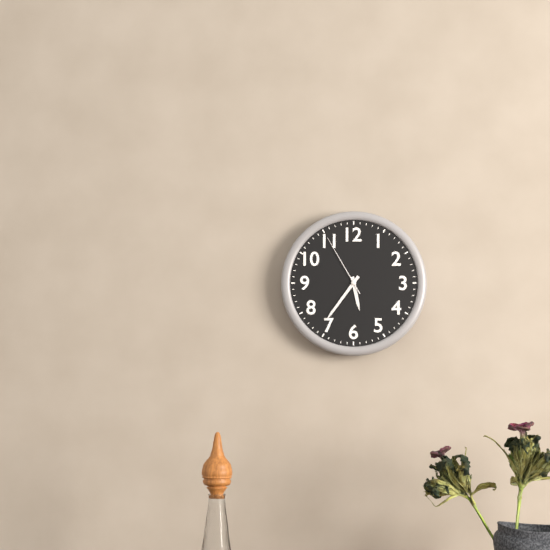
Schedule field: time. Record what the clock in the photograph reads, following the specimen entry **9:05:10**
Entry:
**5:36:55**
